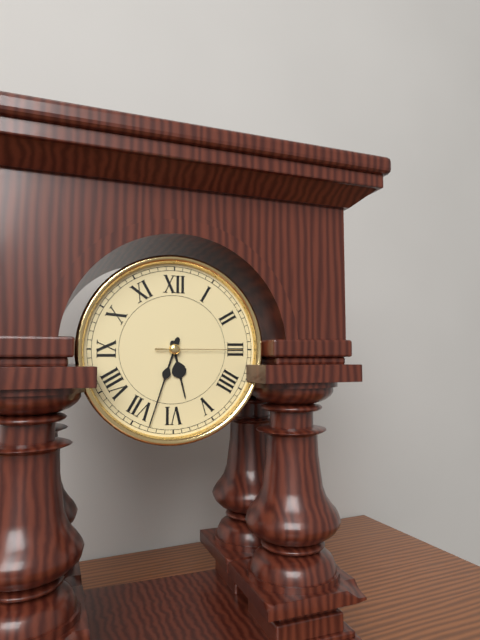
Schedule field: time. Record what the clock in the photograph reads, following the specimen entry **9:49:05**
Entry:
**5:33:15**
